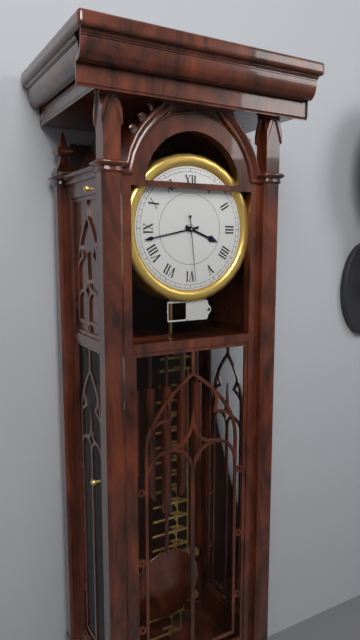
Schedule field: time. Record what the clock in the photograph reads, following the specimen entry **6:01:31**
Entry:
**3:43:29**
